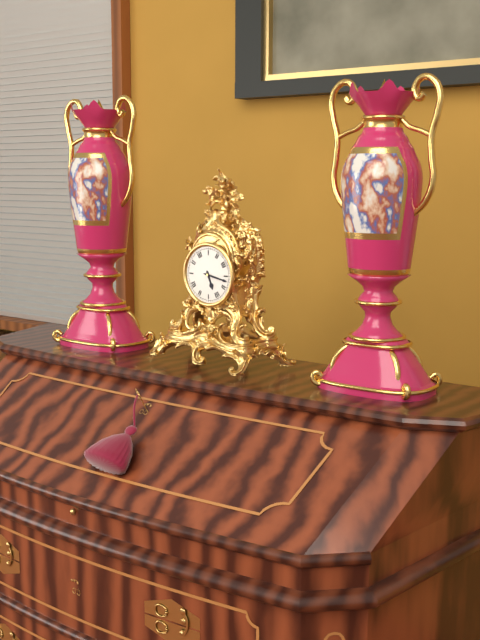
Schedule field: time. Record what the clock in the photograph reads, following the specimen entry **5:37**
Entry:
**5:17**
